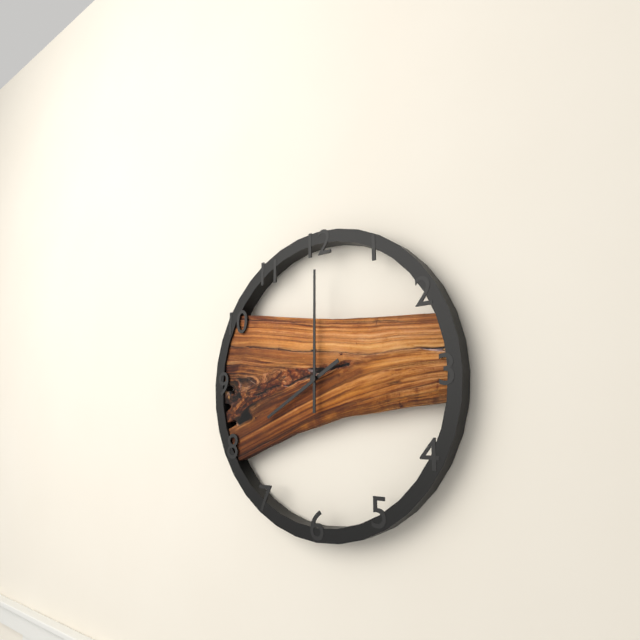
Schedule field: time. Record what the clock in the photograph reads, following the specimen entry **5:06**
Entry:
**8:00**
